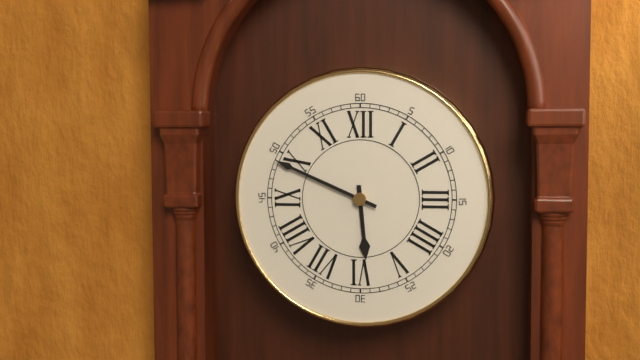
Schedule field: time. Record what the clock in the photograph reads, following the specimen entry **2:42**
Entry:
**5:49**
